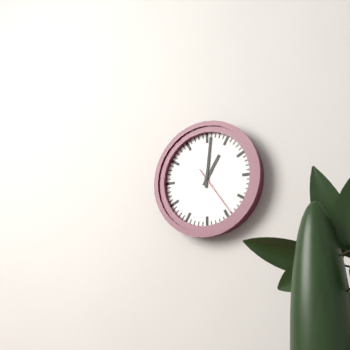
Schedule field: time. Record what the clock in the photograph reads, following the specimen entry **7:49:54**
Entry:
**1:01:24**
